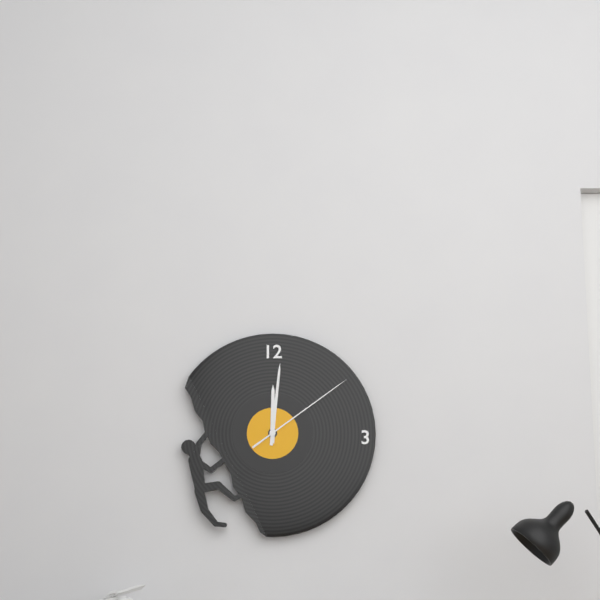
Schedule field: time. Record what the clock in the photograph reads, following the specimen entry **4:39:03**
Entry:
**12:01:09**
